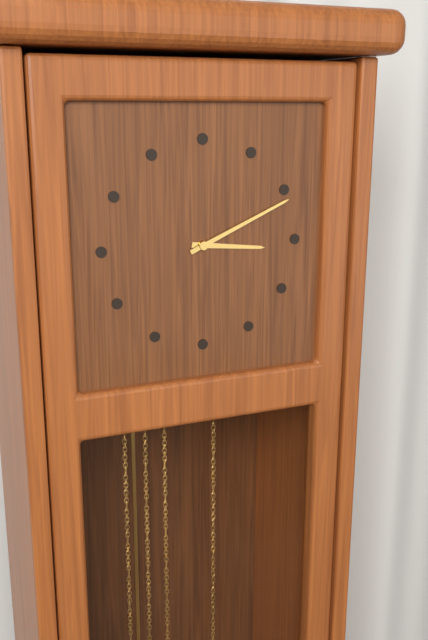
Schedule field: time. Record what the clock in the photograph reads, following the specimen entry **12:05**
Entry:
**3:11**
